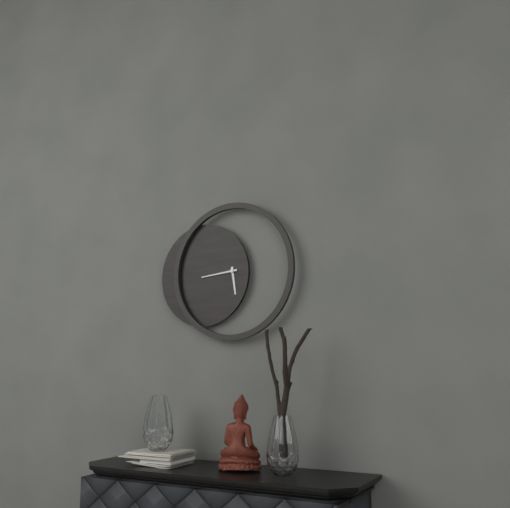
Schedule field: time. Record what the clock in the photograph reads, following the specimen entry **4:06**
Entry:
**5:44**
